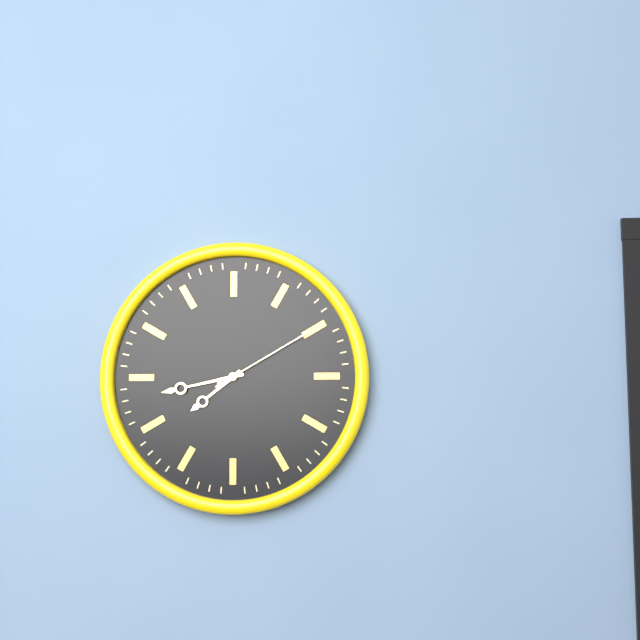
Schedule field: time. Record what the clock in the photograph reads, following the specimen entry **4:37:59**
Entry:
**7:43:10**
